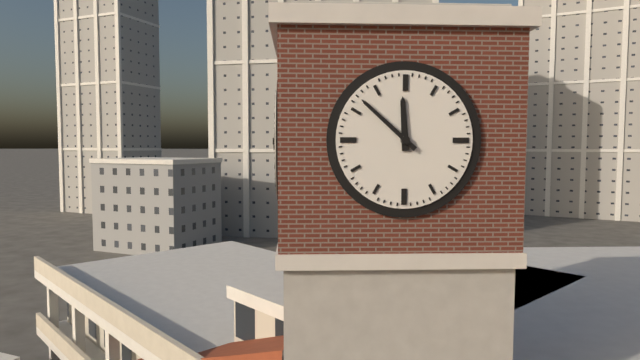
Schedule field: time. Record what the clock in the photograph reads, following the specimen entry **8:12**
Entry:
**11:52**
